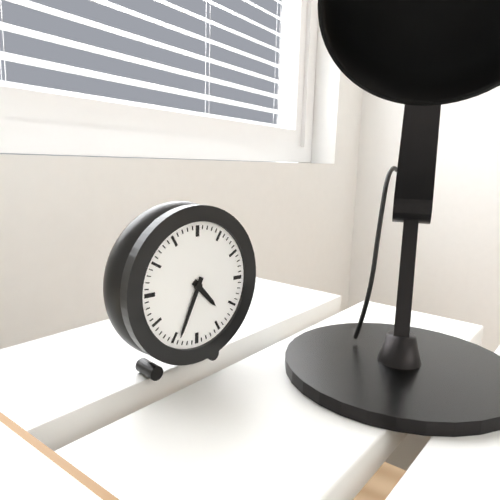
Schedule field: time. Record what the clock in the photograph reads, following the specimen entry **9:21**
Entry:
**4:34**
